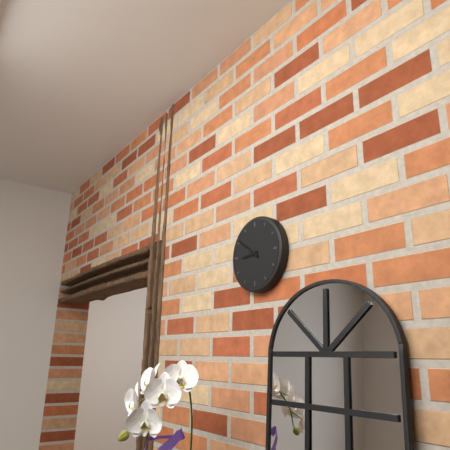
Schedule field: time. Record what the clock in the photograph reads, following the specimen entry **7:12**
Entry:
**8:51**
